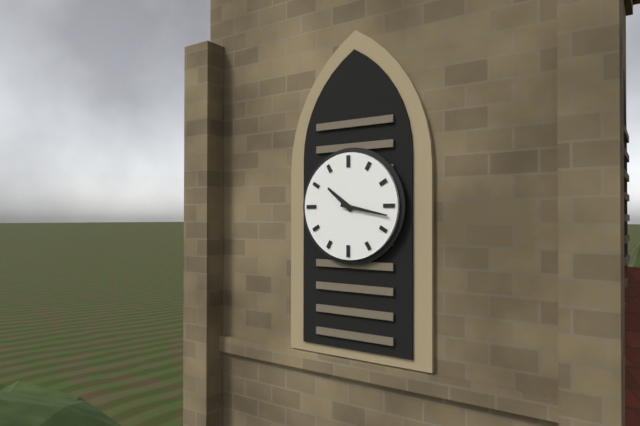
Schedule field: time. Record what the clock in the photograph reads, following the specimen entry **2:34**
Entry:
**10:17**
